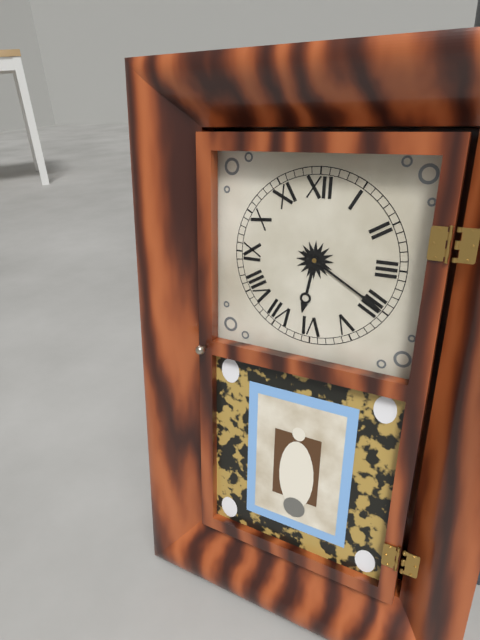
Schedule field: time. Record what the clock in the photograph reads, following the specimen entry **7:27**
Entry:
**6:20**
